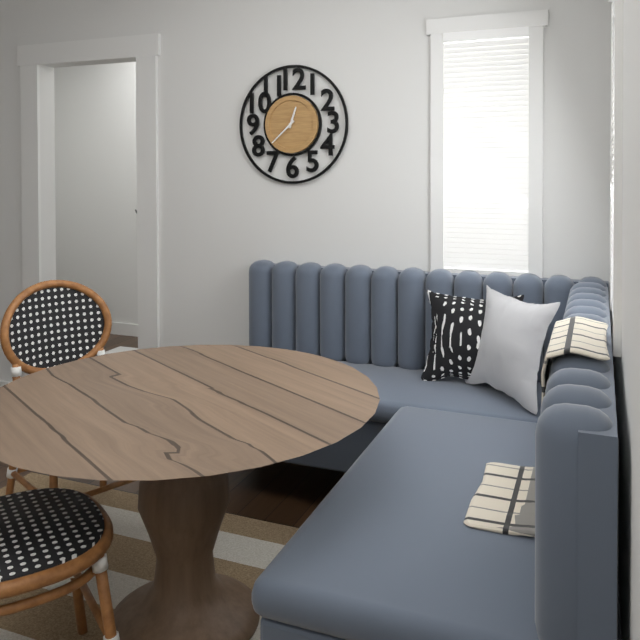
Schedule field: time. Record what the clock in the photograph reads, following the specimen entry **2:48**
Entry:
**12:38**
